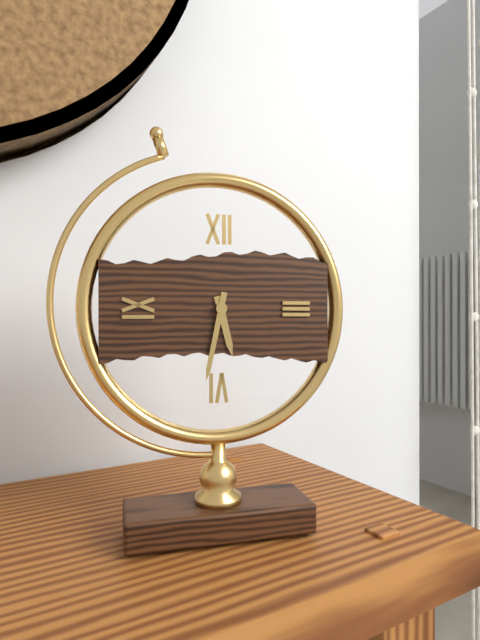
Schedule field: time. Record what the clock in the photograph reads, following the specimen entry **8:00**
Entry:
**5:32**
